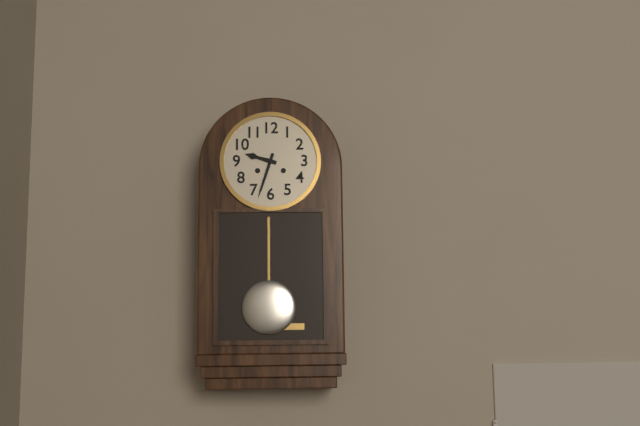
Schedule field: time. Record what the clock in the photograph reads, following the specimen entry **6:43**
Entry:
**9:33**
